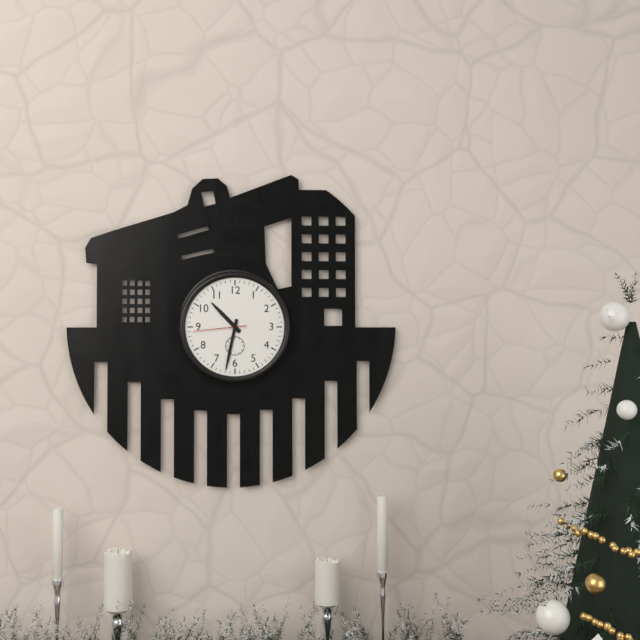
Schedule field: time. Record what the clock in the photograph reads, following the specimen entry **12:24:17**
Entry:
**10:32:44**
